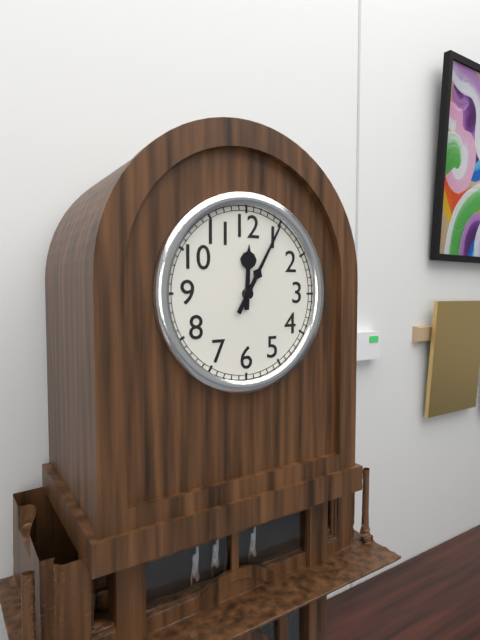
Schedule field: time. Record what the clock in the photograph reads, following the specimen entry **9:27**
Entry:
**12:05**
